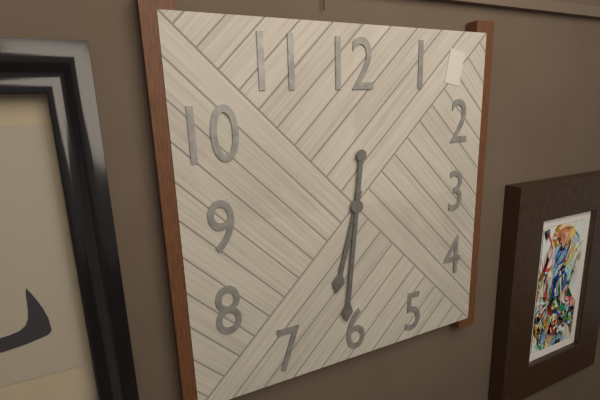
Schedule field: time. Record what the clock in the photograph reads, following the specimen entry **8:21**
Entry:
**6:31**
